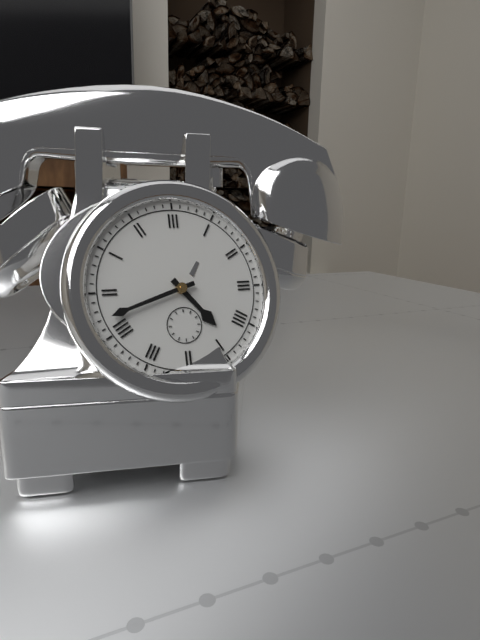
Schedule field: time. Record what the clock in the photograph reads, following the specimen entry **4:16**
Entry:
**4:42**
